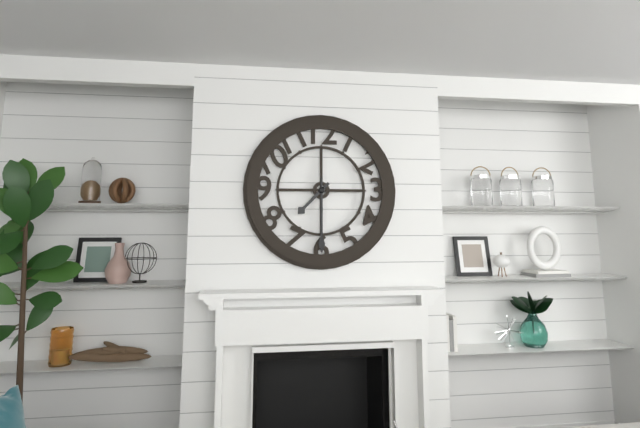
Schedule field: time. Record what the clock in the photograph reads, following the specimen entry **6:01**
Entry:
**7:30**
